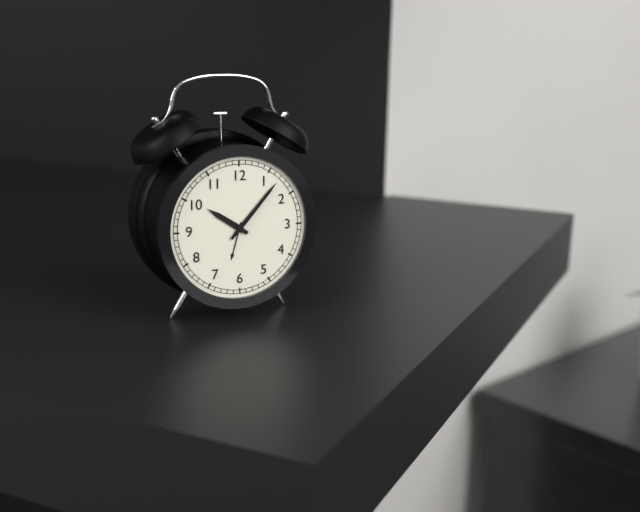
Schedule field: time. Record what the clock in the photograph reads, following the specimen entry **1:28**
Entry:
**10:07**
